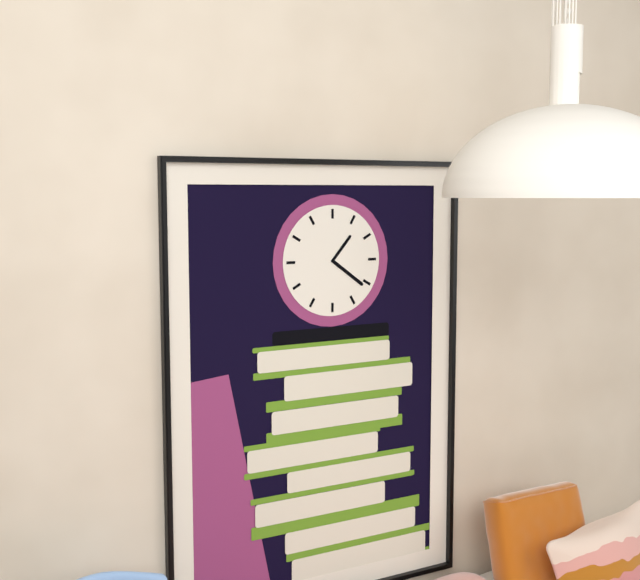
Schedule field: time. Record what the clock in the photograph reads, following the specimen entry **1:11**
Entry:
**1:21**
